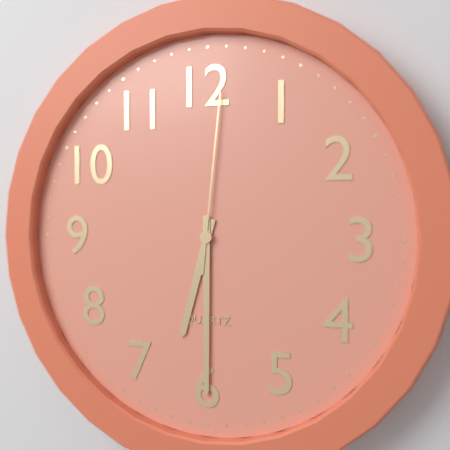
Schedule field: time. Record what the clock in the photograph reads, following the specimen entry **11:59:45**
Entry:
**6:30:01**
